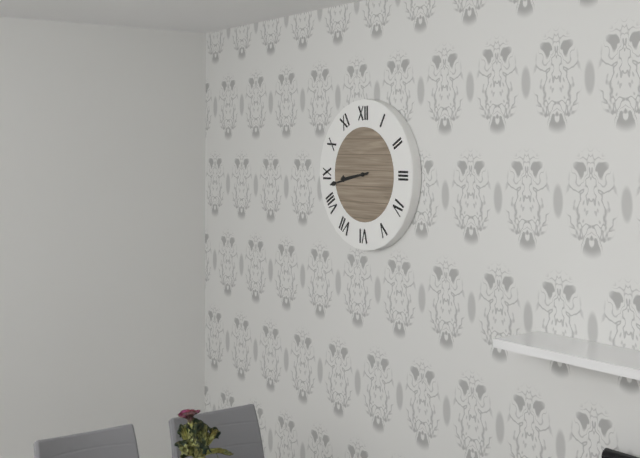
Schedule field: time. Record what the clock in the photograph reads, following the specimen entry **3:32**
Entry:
**8:43**
